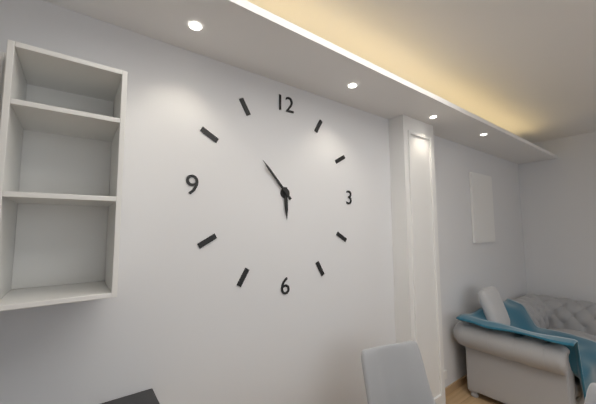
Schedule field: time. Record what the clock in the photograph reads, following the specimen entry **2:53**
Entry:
**5:53**
